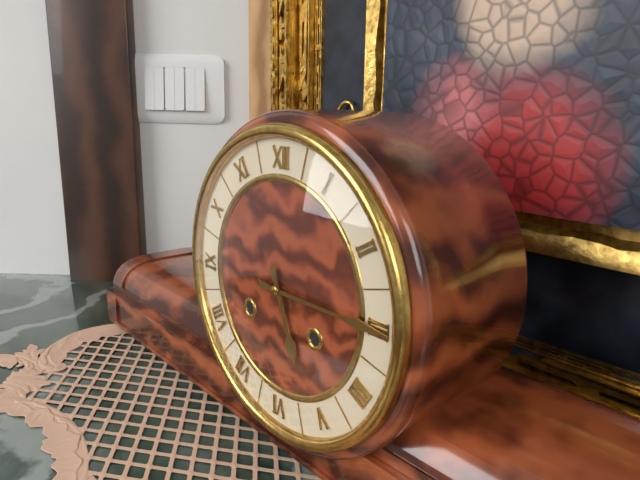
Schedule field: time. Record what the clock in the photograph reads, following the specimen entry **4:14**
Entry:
**5:15**
